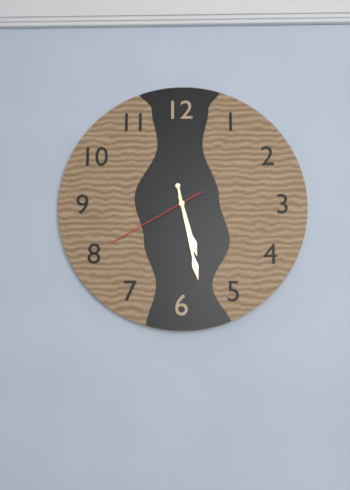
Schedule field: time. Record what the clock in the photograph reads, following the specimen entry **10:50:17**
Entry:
**5:28:40**
